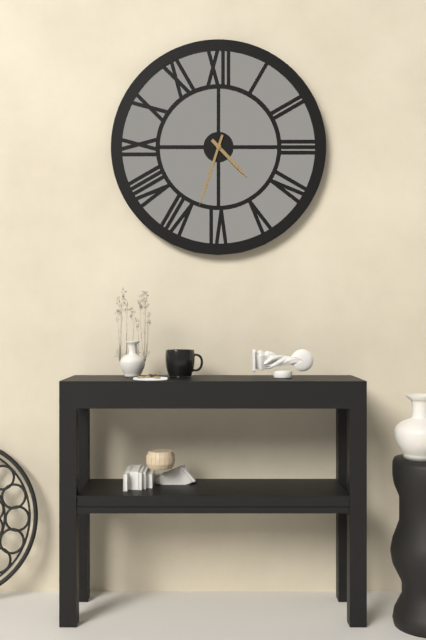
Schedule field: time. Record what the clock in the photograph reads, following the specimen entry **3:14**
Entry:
**4:33**
